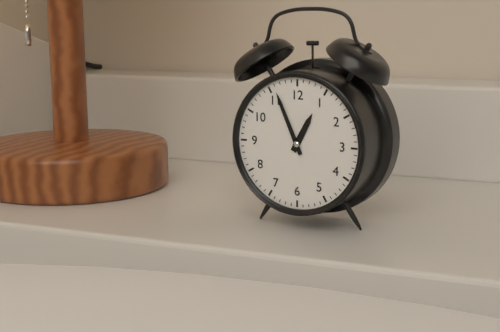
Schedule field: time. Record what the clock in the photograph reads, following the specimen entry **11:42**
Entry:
**12:56**
